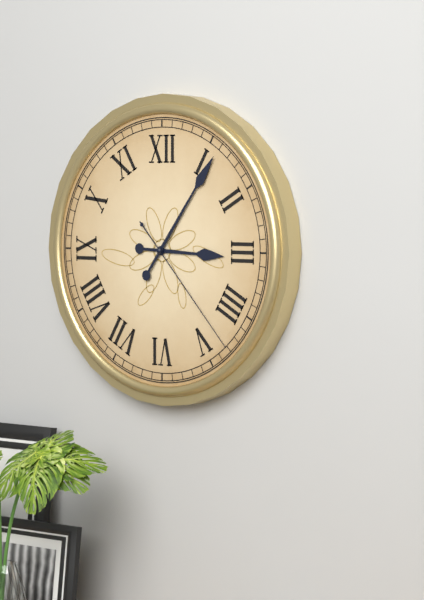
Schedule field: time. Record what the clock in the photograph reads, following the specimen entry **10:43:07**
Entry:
**3:06:23**
